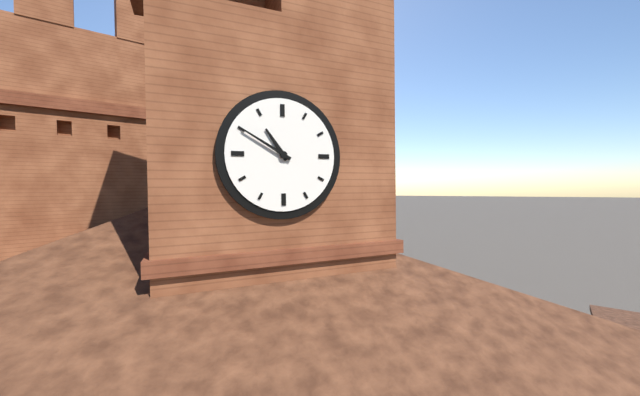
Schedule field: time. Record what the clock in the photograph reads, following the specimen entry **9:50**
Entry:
**10:50**
